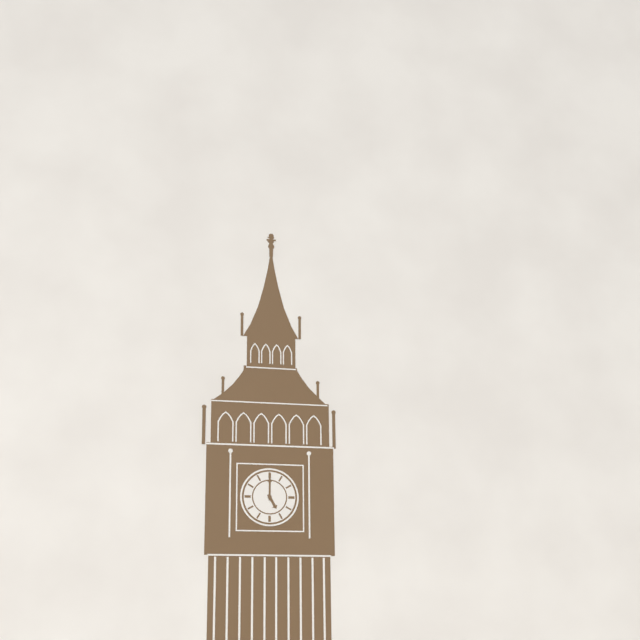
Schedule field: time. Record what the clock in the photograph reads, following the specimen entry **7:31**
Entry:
**5:00**
